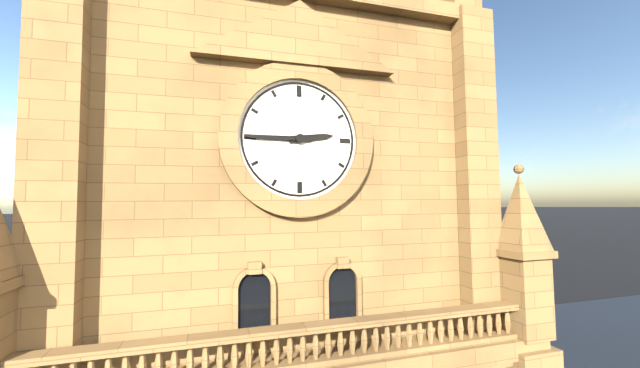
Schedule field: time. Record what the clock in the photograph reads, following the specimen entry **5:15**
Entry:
**2:45**
